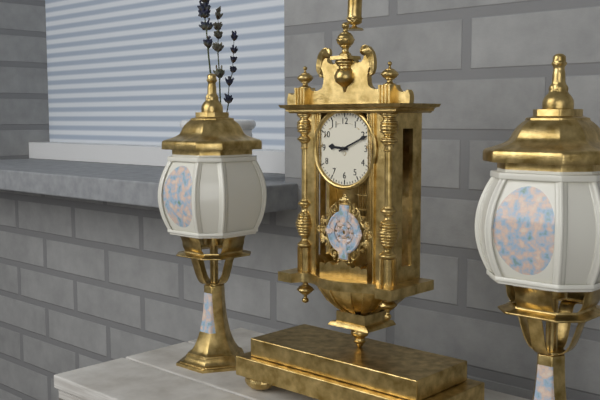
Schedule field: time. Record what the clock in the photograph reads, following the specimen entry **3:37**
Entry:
**9:11**
